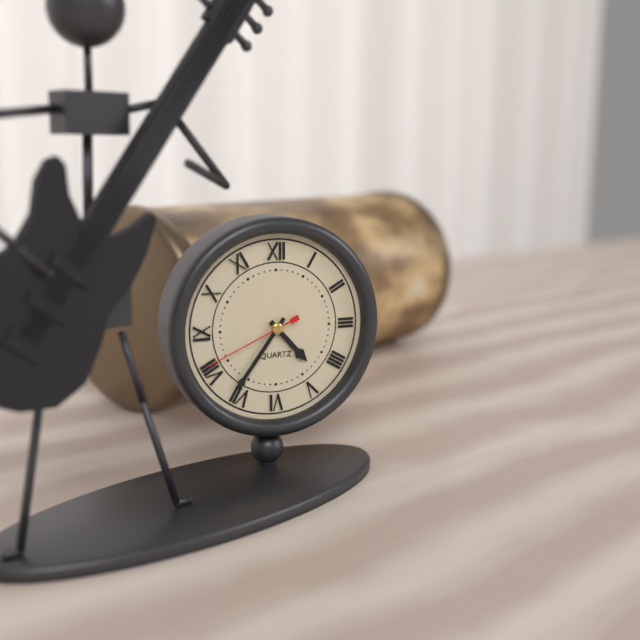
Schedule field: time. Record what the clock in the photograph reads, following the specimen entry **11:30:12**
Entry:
**4:36:41**
